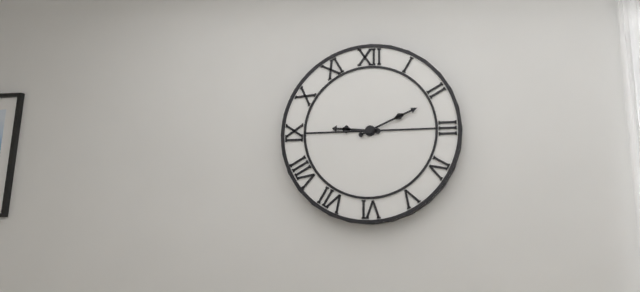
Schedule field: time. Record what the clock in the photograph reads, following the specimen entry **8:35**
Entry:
**9:11**
